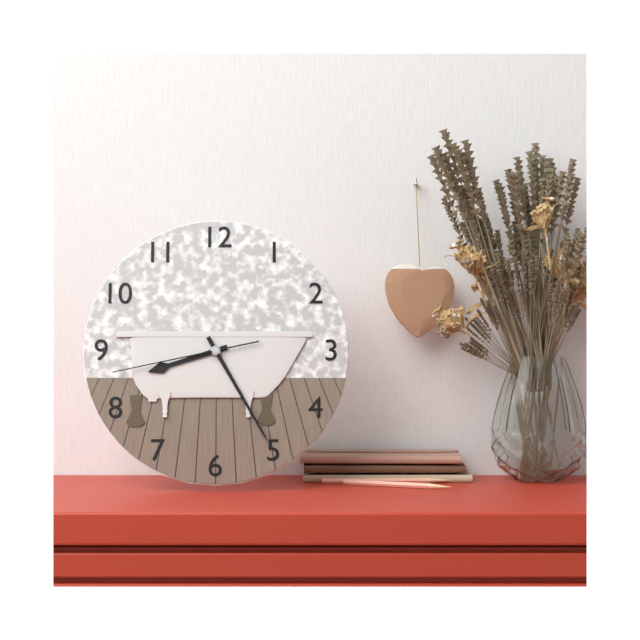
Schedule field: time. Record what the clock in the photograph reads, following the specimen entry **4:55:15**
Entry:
**8:25:43**
